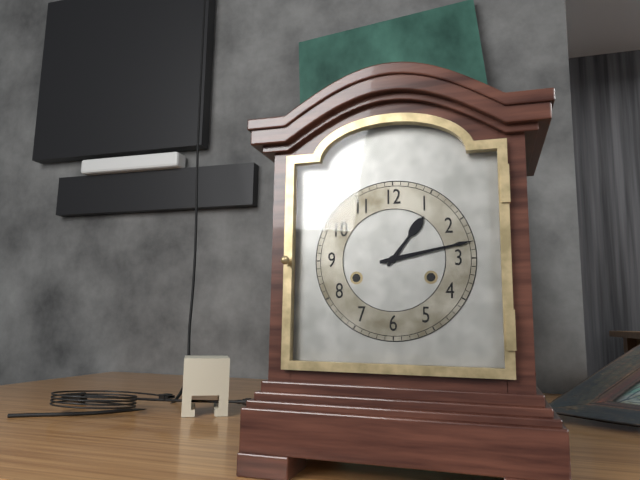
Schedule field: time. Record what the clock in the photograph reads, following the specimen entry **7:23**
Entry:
**1:13**
